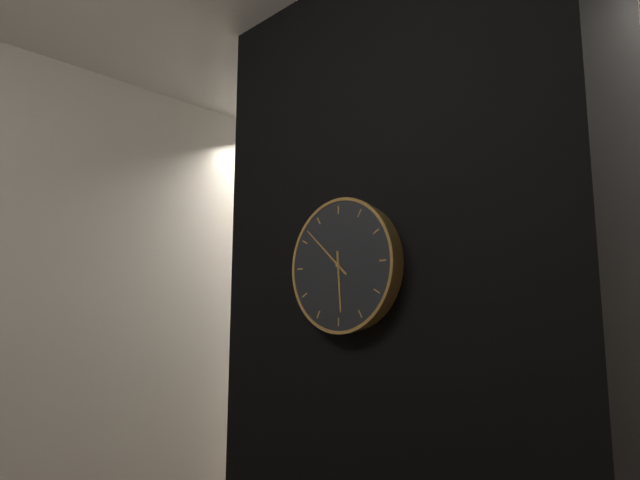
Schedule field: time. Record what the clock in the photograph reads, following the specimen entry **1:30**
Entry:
**5:52**
